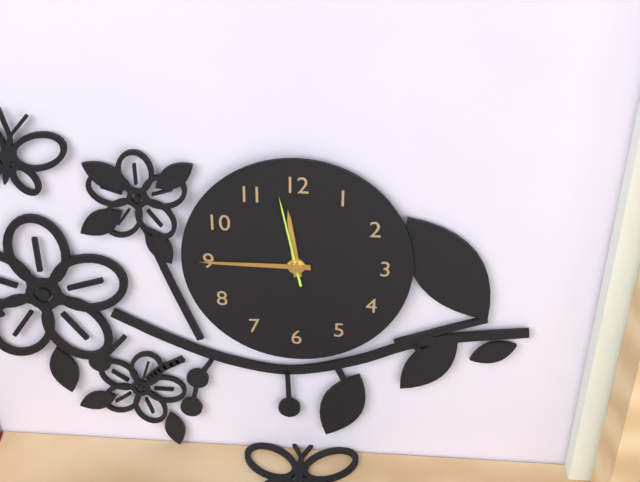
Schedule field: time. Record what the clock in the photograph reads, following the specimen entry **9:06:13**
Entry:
**11:45:58**
